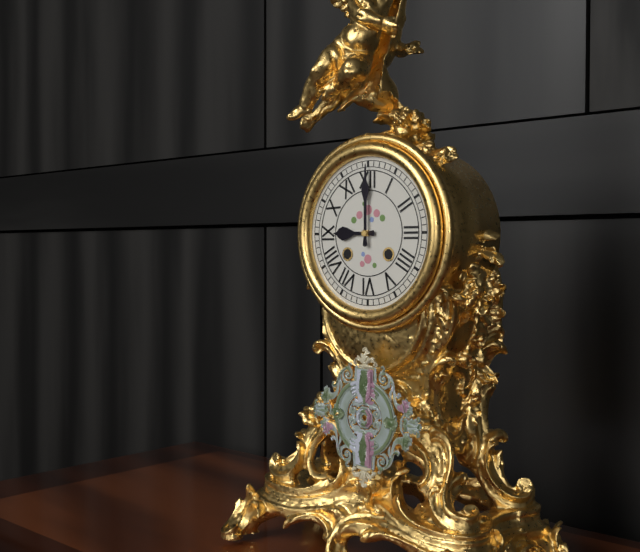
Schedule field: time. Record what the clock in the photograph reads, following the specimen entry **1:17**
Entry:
**9:00**
